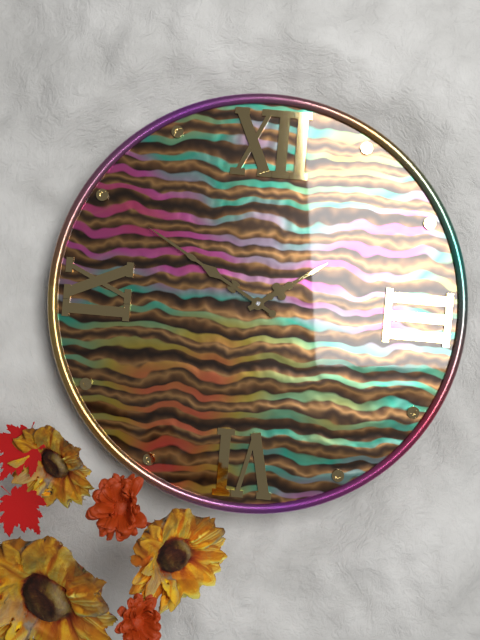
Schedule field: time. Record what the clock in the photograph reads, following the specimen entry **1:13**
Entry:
**1:50**
